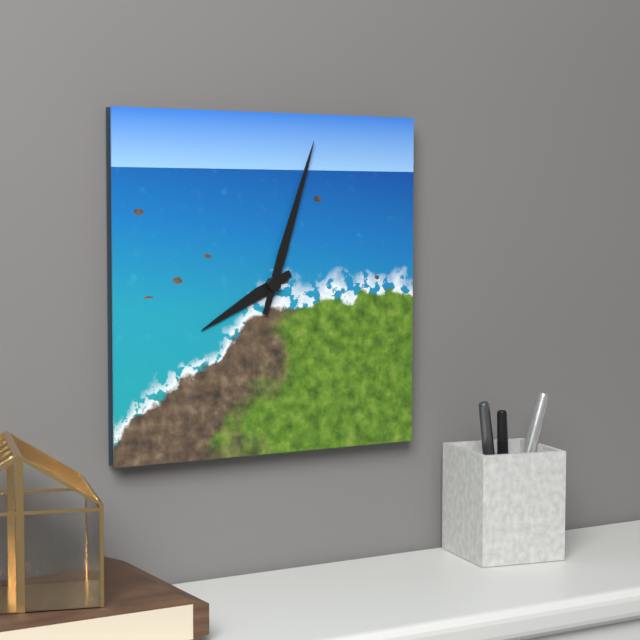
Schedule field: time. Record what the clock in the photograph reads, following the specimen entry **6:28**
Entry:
**8:03**
